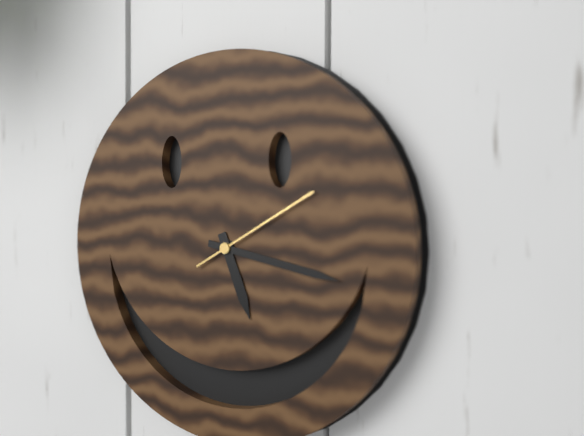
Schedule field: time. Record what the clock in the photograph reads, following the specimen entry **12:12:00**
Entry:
**5:17:10**
